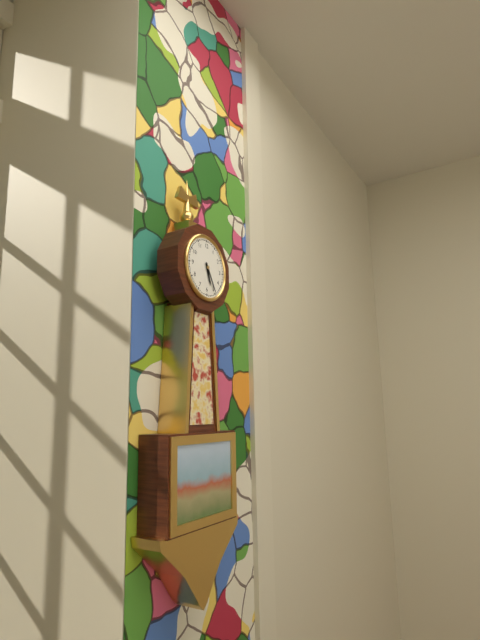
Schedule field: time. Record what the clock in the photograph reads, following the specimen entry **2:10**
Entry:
**5:25**
